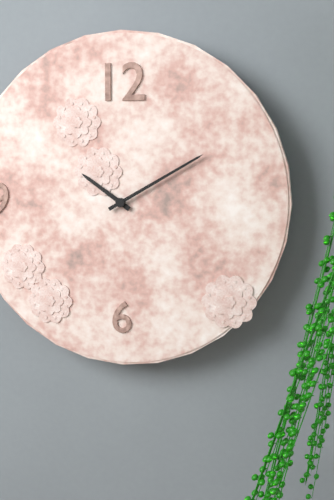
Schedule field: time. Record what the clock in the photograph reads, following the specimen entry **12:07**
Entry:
**10:10**
